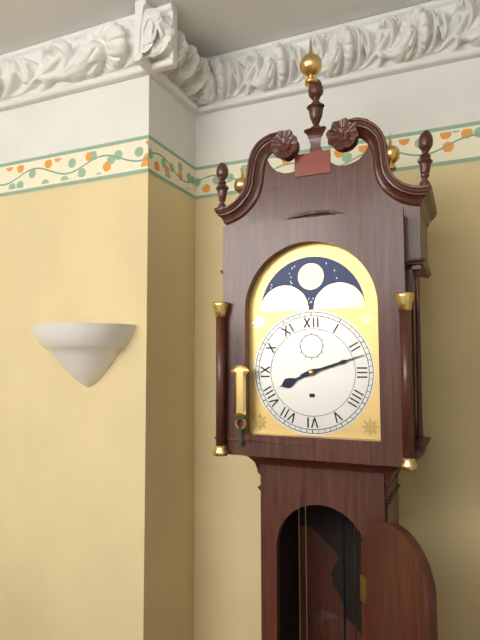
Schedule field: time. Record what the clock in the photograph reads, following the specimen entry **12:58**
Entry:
**8:12**
